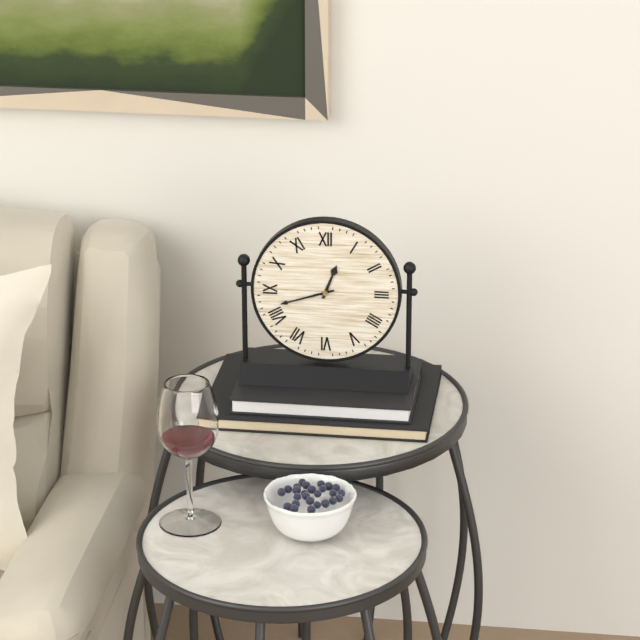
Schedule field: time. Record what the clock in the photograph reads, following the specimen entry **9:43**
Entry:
**12:42**
